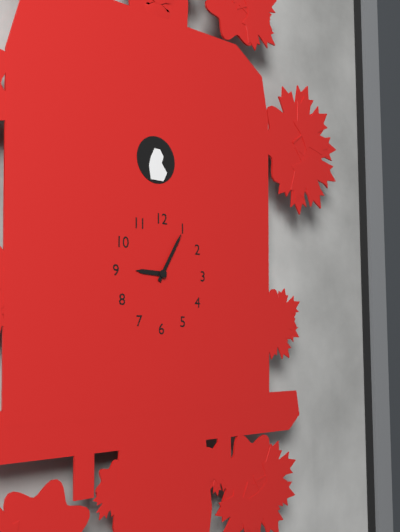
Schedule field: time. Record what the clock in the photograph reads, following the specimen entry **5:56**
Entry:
**9:05**
